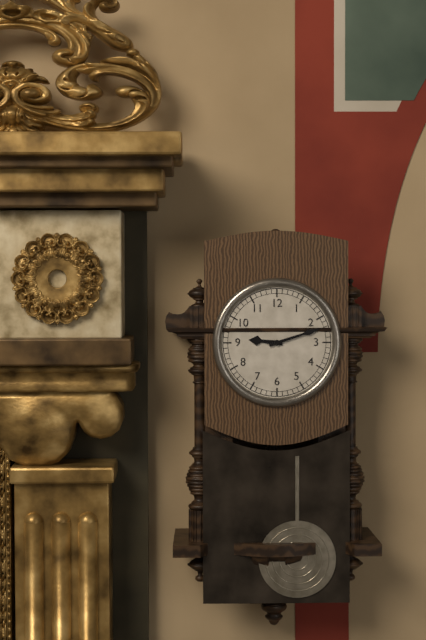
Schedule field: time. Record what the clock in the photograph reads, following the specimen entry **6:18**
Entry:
**9:12**
